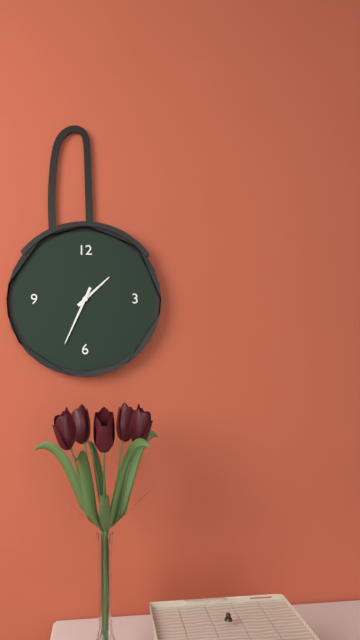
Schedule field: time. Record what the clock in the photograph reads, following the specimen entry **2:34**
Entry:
**1:34**
